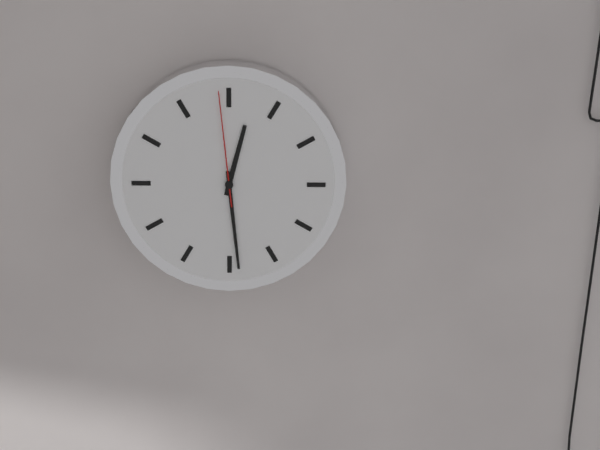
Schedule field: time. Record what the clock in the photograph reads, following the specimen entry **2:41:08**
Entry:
**12:29:59**
